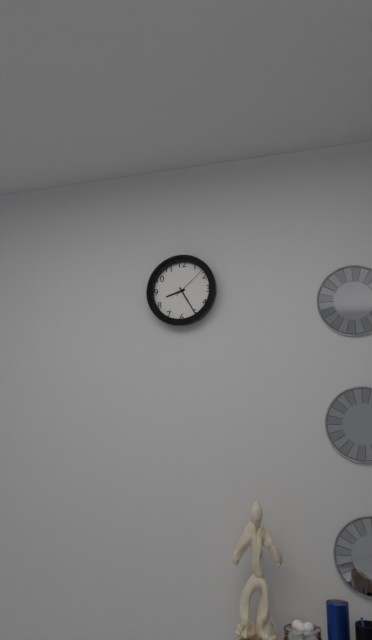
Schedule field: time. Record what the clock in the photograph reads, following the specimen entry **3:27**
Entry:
**8:25**
